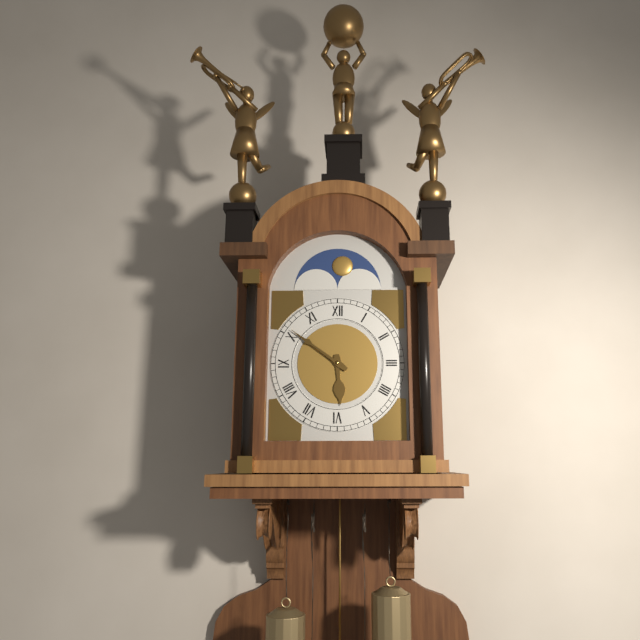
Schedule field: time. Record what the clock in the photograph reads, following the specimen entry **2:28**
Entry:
**5:51**
